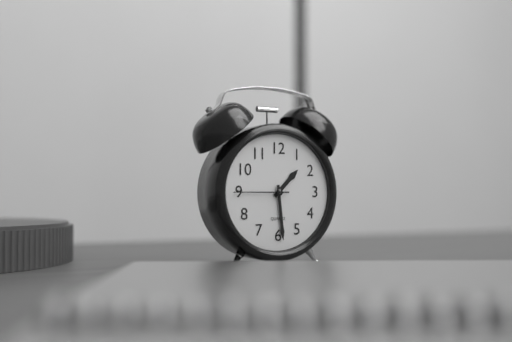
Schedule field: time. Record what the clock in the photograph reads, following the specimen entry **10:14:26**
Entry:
**1:29:45**
